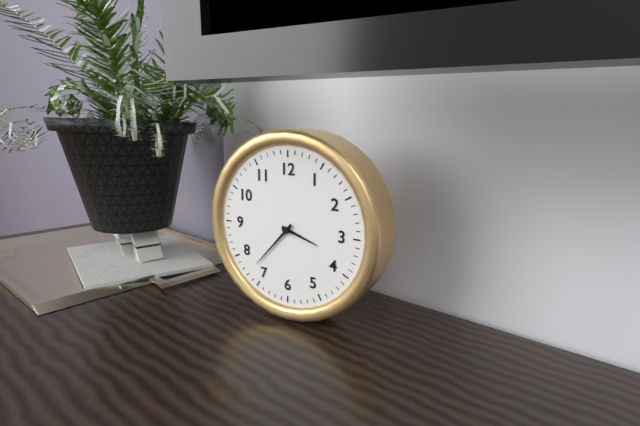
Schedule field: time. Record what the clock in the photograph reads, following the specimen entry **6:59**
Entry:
**3:37**
